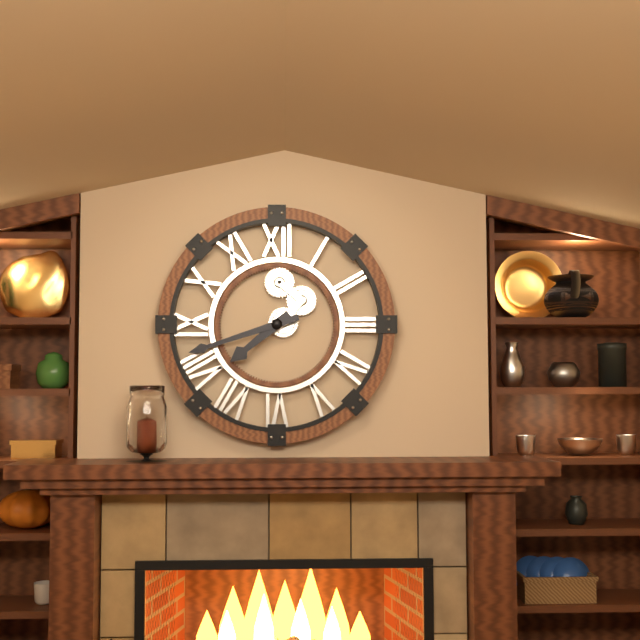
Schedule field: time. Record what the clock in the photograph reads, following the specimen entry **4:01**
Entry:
**7:42**
